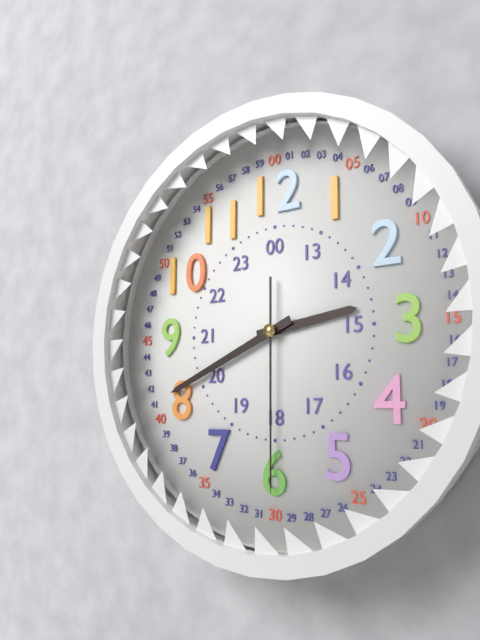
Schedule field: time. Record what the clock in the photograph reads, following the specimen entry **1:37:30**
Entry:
**2:41:30**
